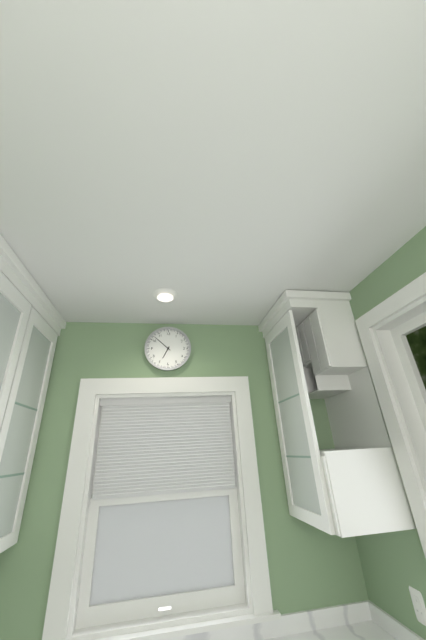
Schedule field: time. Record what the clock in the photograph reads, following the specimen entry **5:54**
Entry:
**6:52**
